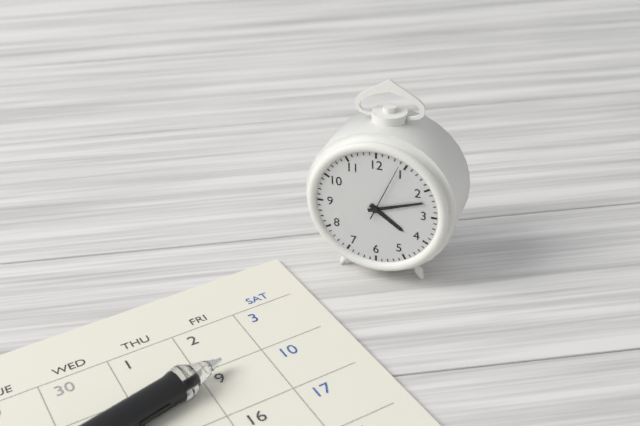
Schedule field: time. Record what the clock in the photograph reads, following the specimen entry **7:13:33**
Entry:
**4:12:04**
